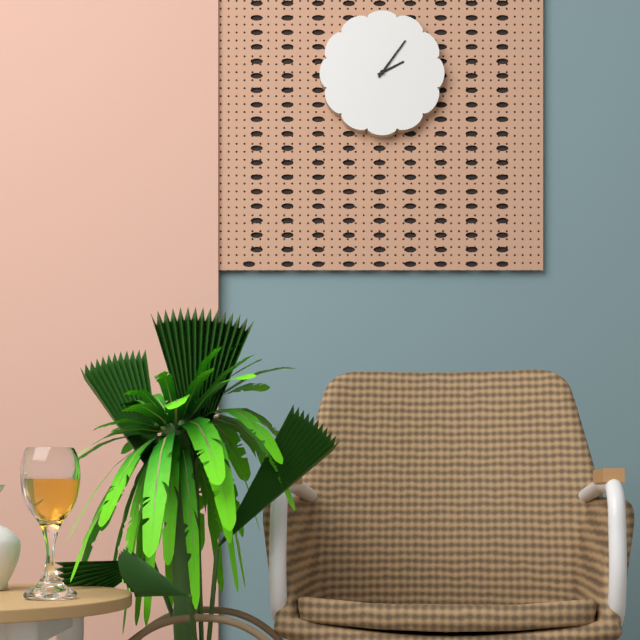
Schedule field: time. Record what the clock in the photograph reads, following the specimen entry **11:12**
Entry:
**2:06**
